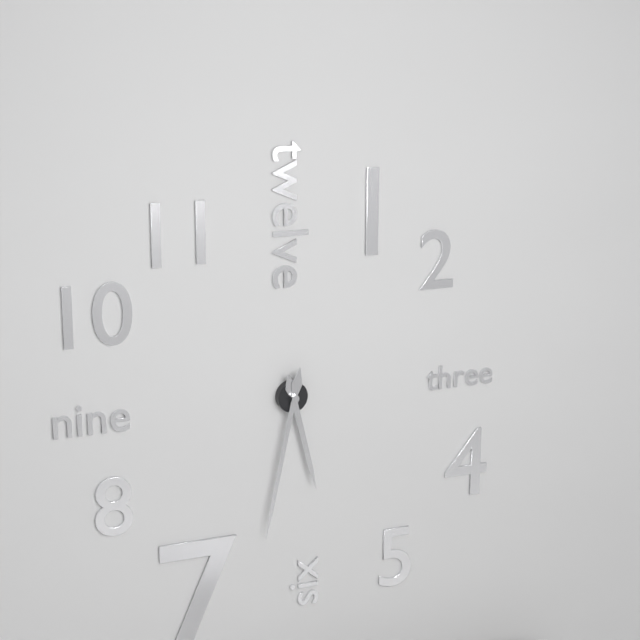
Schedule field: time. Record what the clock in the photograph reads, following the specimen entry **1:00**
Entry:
**5:32**
